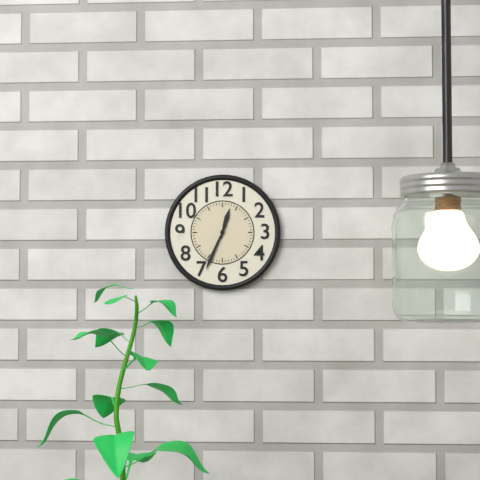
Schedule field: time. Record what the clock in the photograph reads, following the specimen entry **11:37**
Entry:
**12:34**
